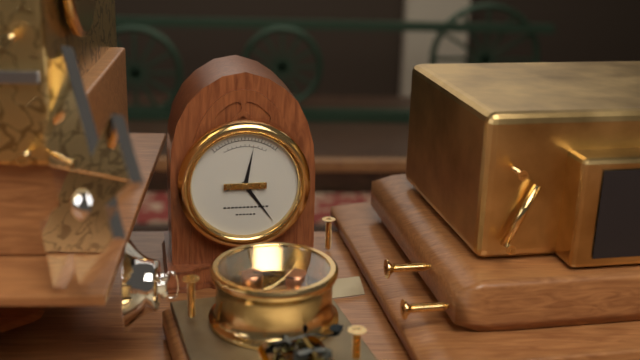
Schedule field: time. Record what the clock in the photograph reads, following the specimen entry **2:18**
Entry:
**12:24**
